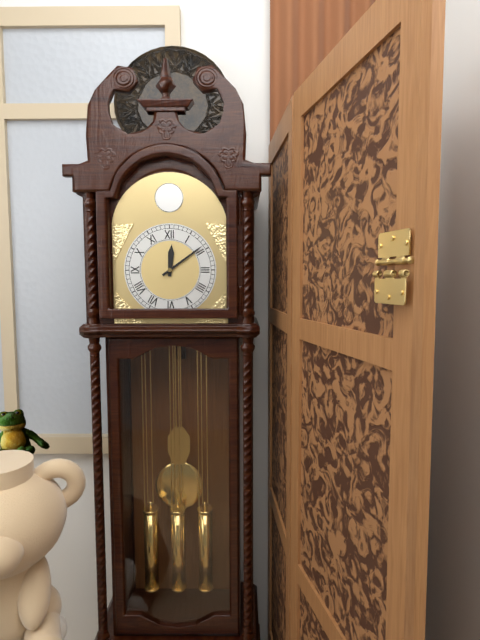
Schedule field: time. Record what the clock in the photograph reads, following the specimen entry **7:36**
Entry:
**12:09**
